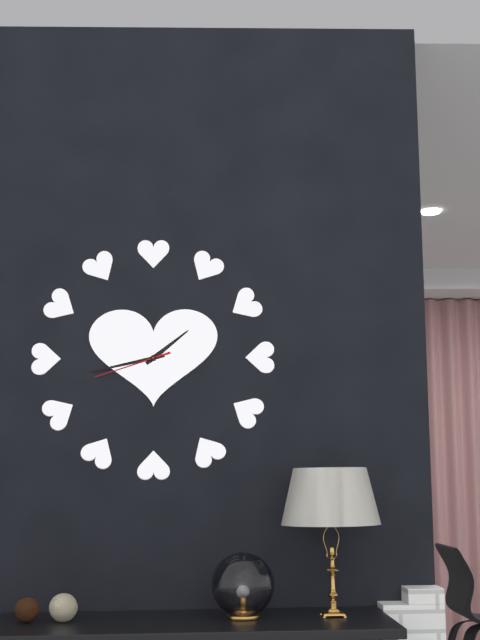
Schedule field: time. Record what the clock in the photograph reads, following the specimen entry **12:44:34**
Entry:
**1:43:42**
